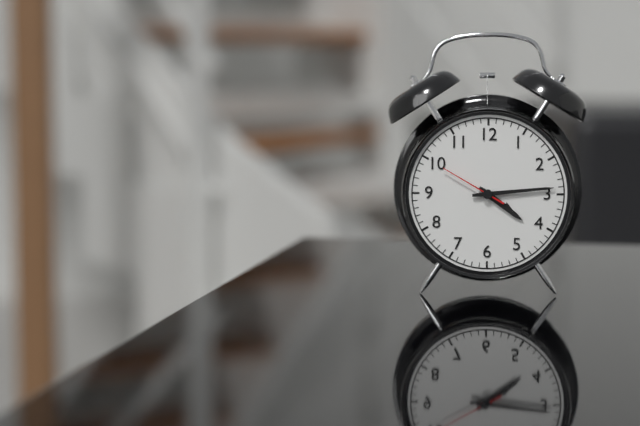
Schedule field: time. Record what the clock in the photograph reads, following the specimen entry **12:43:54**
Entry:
**4:14:50**
